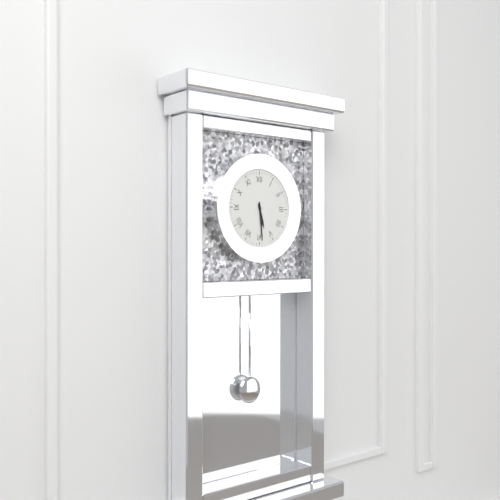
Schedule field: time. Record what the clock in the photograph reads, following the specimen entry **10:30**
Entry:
**5:29**
